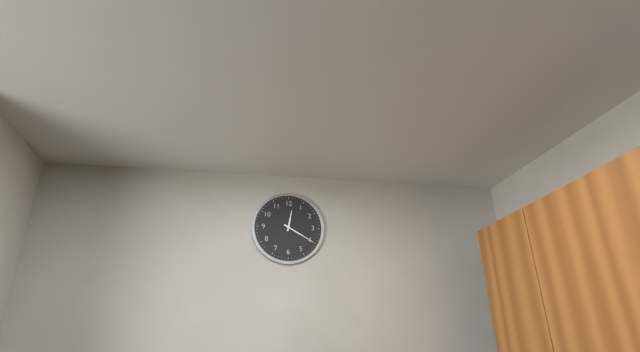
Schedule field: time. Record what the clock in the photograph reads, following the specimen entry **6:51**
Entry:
**12:20**
